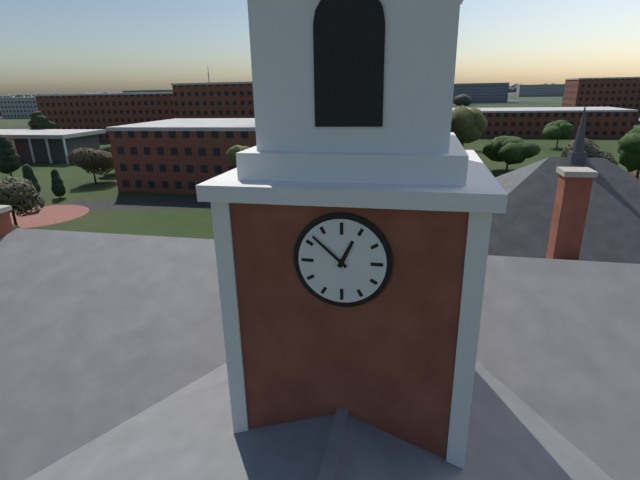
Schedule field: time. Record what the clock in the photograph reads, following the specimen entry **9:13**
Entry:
**12:52**
